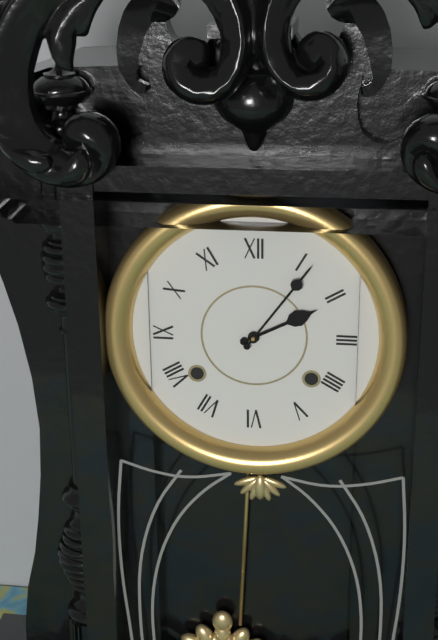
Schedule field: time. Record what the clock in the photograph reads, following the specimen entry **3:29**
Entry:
**2:06**
